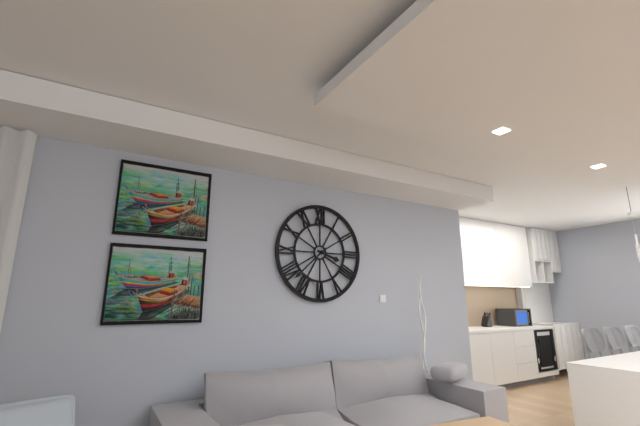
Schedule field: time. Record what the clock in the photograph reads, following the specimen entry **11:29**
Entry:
**3:38**
